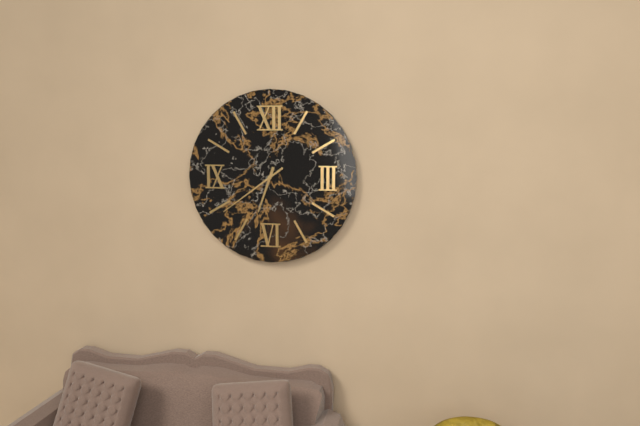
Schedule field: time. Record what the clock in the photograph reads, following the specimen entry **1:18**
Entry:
**6:39**
